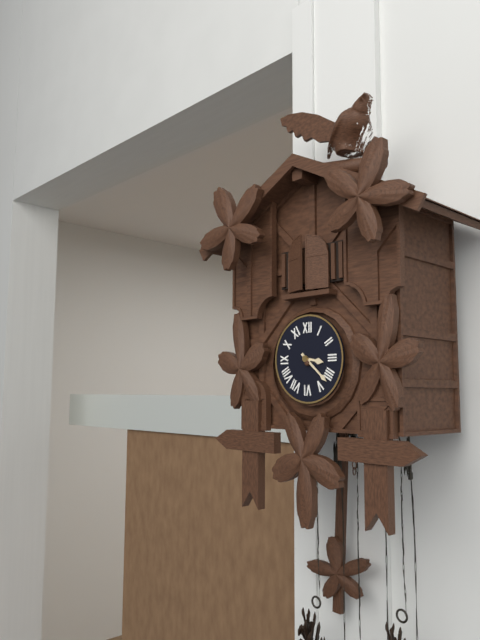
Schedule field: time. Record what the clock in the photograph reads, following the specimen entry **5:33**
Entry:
**3:22**
